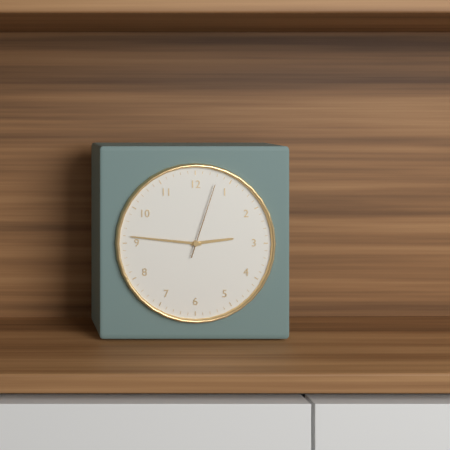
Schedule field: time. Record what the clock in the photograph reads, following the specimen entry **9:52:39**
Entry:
**2:46:03**
